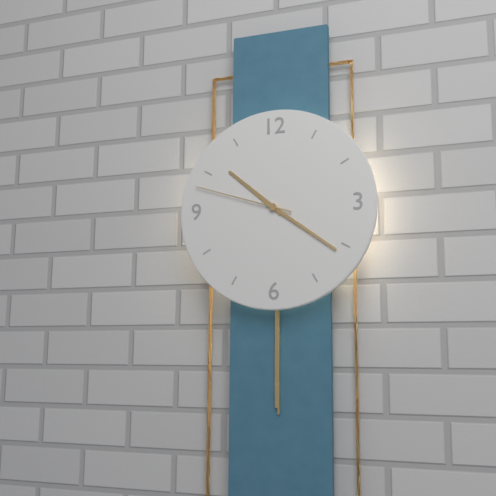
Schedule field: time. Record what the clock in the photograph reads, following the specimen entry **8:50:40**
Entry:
**10:21:48**
